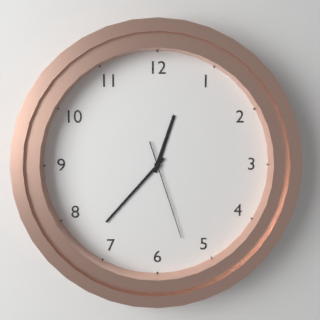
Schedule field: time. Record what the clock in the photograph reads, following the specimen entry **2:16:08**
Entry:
**12:37:27**
